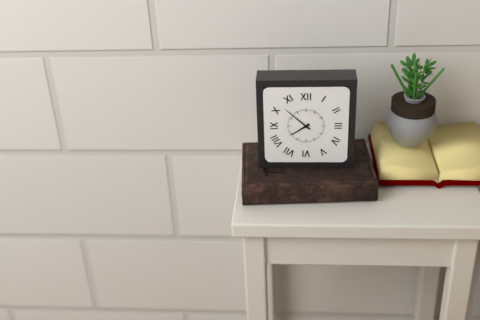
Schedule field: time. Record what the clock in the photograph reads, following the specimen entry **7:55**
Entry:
**7:52**
